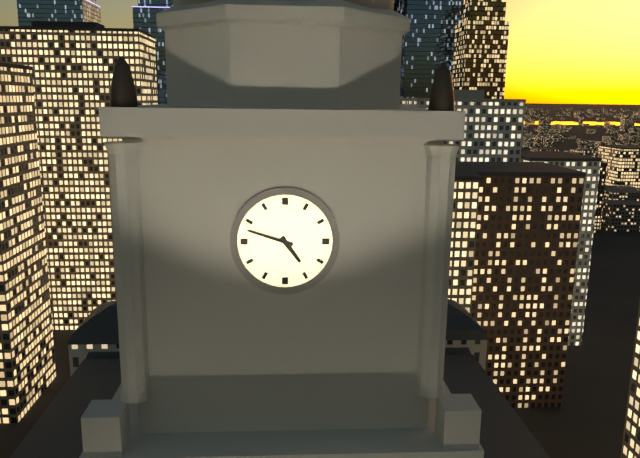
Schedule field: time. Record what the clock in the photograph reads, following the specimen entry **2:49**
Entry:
**4:48**
